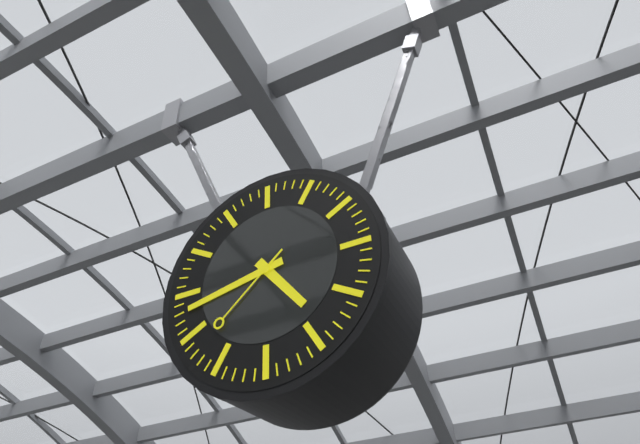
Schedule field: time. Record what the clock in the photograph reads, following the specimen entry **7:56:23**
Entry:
**4:43:38**
